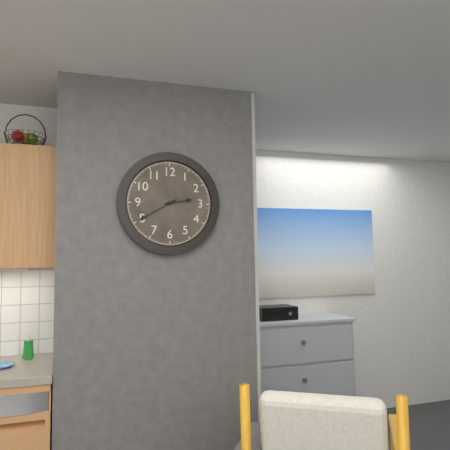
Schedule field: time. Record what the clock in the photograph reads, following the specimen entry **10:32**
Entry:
**2:40**
